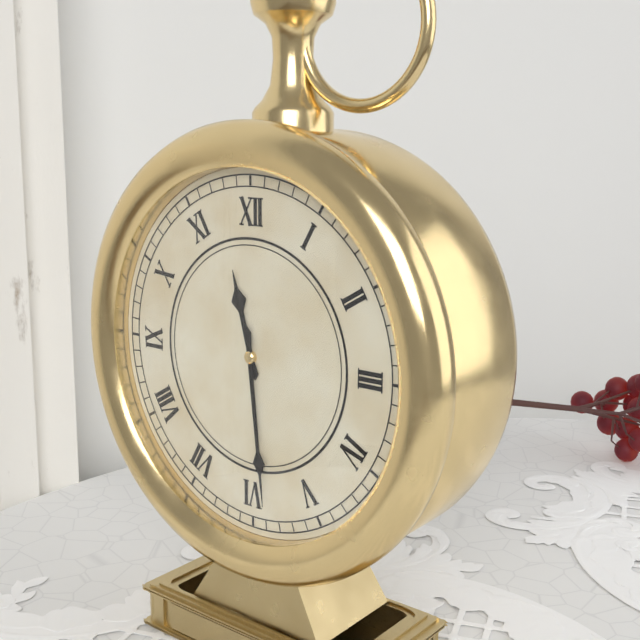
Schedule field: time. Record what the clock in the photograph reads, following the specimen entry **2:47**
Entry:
**11:29**
